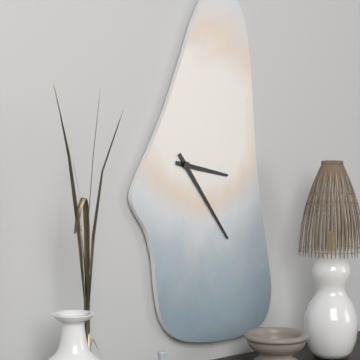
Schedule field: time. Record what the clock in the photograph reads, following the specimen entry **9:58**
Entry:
**3:24**
